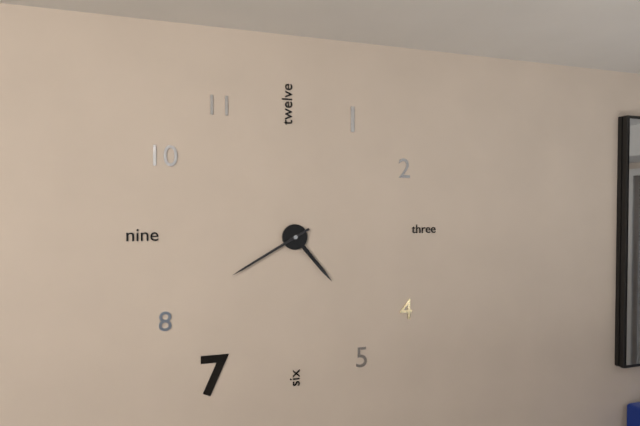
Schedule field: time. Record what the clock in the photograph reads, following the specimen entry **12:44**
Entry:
**4:40**
